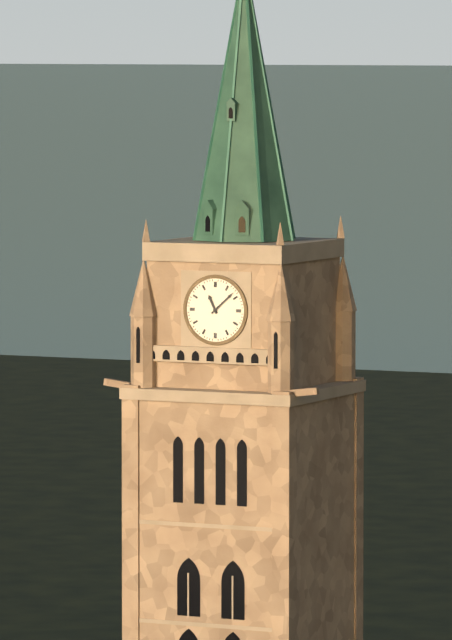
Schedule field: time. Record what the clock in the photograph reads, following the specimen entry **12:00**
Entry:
**11:08**
